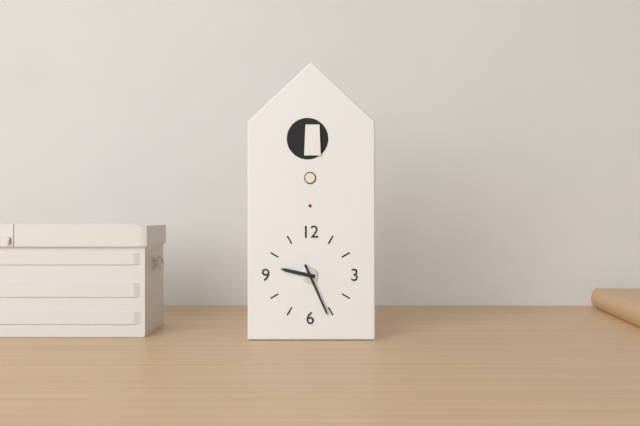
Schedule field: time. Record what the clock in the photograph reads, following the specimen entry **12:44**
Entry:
**9:26**
